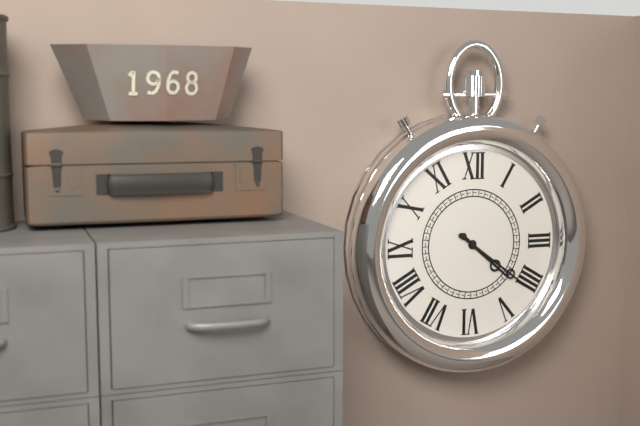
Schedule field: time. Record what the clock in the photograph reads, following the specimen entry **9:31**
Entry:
**4:21**
